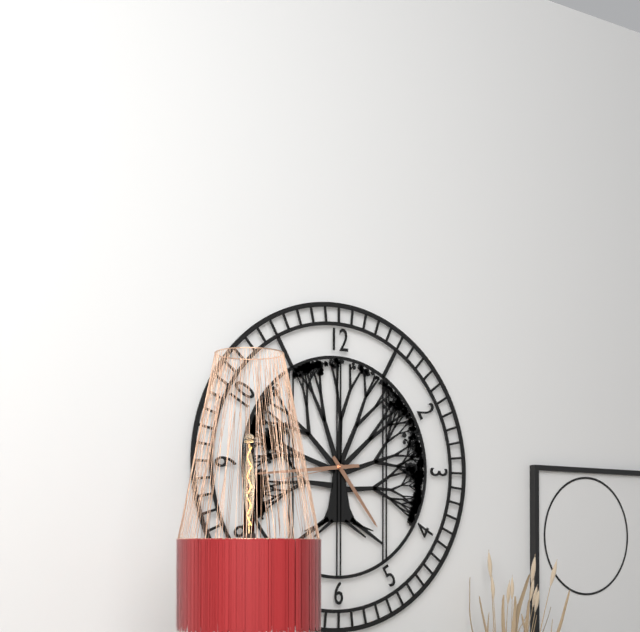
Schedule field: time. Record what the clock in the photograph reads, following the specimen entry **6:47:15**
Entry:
**4:44:43**
